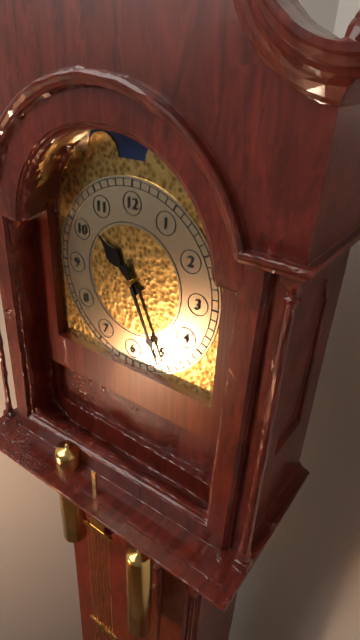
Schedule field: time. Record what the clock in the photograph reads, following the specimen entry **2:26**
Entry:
**10:26**
